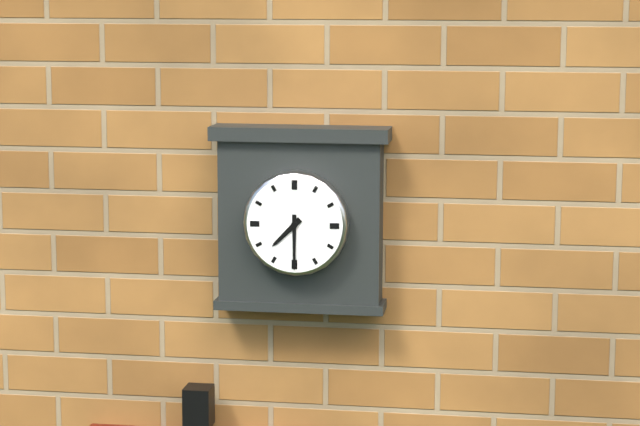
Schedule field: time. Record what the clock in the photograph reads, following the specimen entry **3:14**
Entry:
**7:30**
